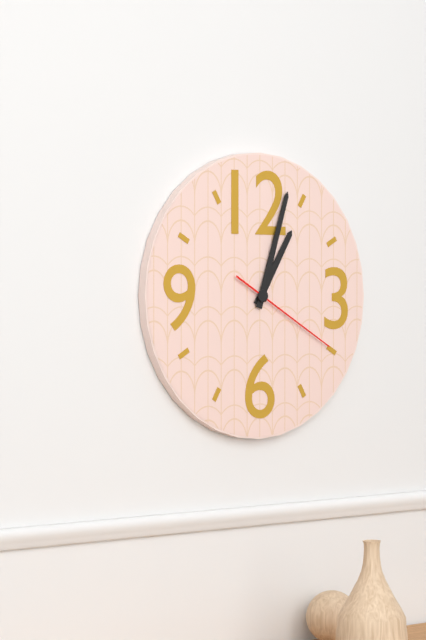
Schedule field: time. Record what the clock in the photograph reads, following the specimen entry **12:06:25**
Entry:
**1:03:20**
